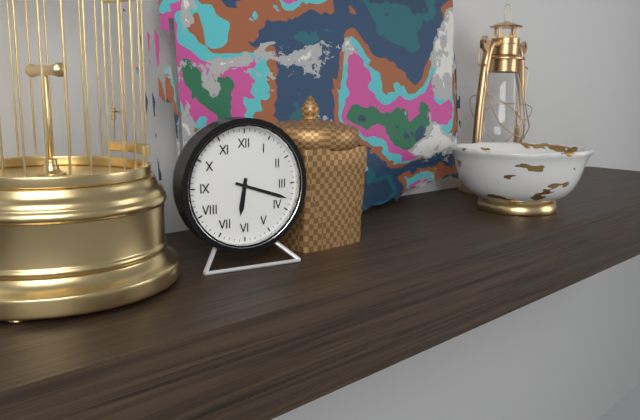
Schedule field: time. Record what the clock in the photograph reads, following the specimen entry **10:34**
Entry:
**6:18**
